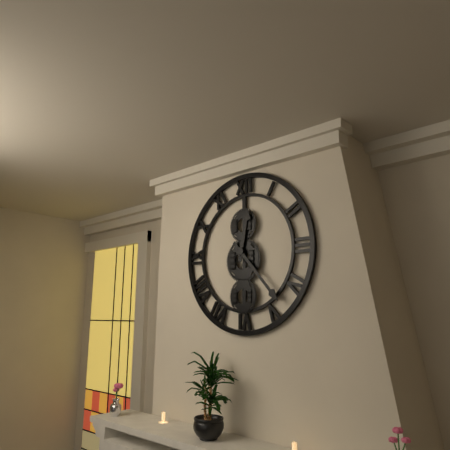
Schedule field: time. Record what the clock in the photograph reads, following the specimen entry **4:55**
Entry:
**12:23**
